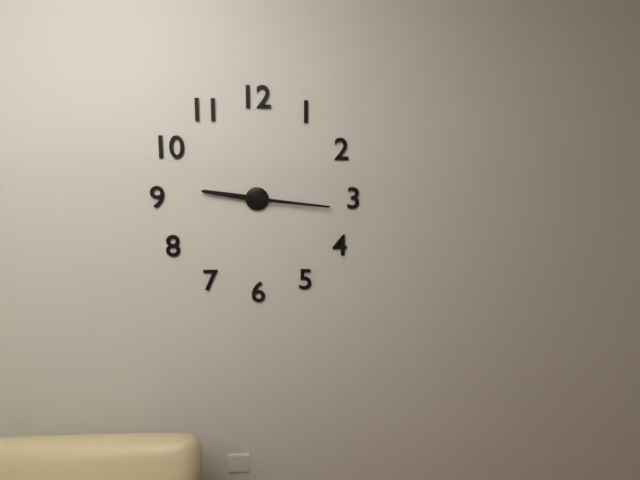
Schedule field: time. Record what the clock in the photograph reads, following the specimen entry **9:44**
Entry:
**9:16**
